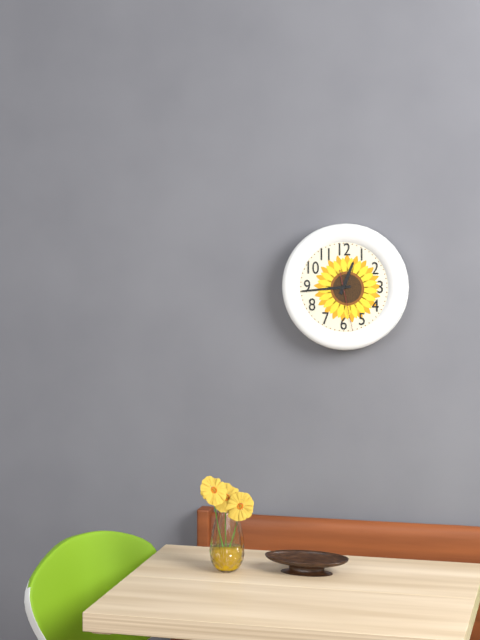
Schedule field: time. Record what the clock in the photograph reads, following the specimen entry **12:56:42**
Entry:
**12:44:28**
